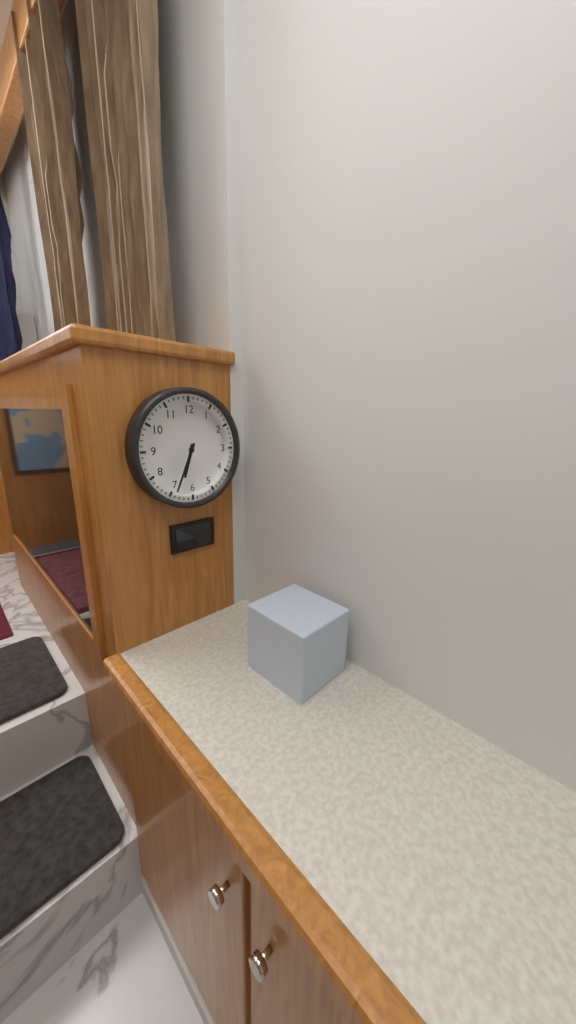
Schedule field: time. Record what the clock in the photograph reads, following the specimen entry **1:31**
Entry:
**6:34**
